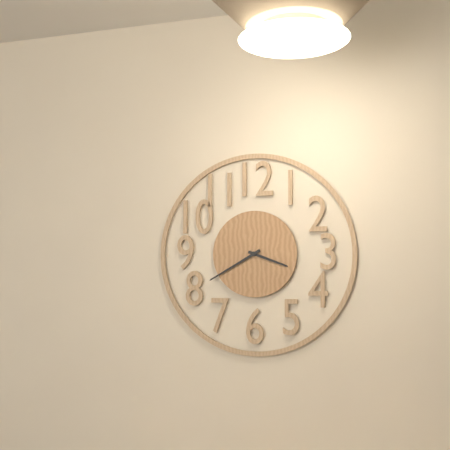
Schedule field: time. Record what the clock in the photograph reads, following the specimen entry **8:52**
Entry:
**3:40**
